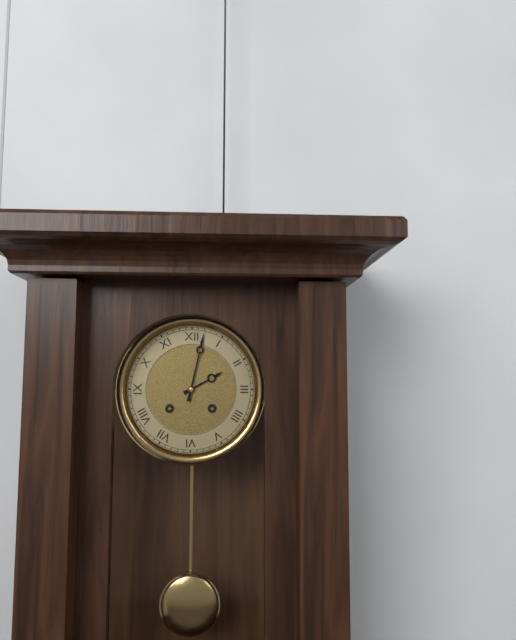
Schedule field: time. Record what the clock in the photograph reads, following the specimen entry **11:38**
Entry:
**2:02**
